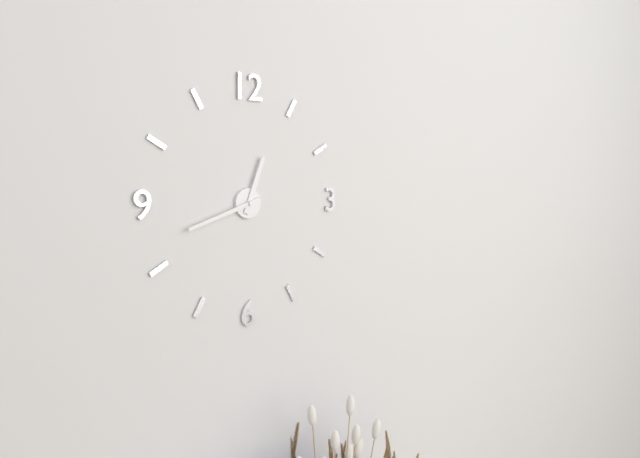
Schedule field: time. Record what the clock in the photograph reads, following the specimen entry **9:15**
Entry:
**12:42**
